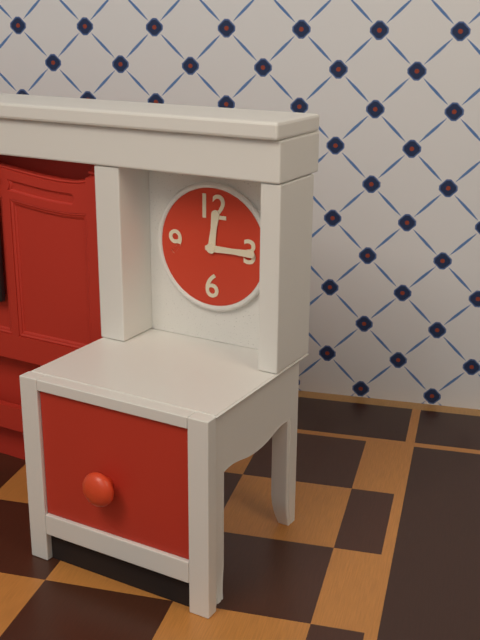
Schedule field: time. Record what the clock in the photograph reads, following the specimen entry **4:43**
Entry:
**12:15**
